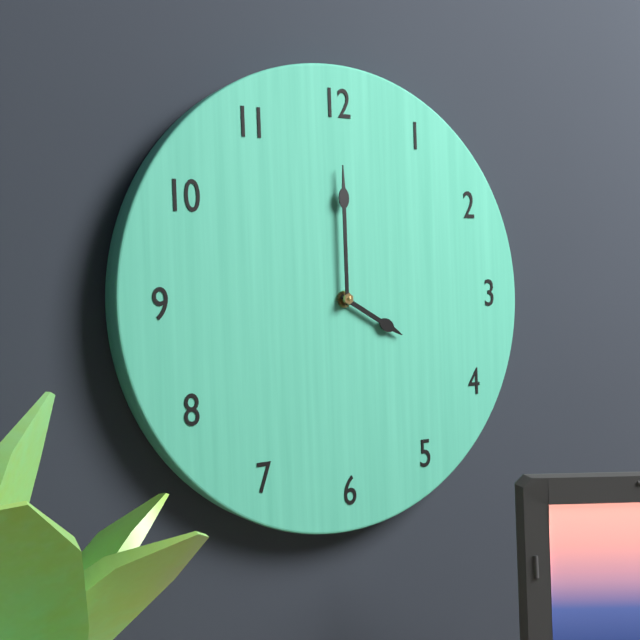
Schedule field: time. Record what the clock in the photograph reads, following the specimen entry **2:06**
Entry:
**4:00**
